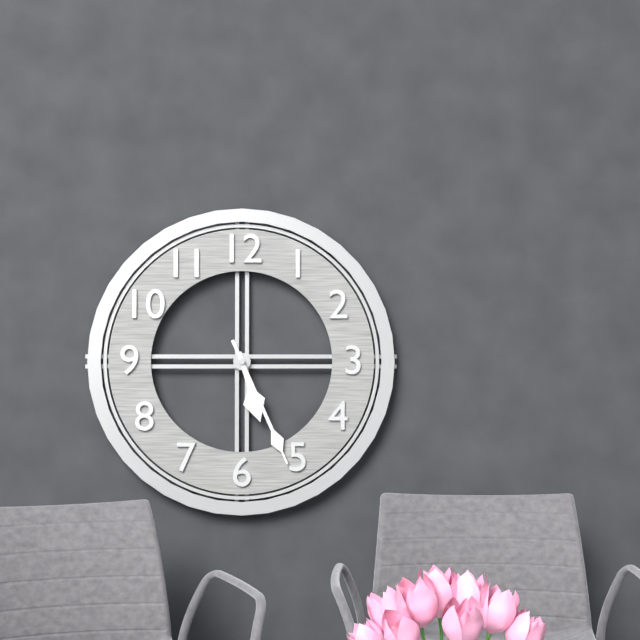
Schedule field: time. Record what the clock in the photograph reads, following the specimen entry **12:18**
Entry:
**5:26**
